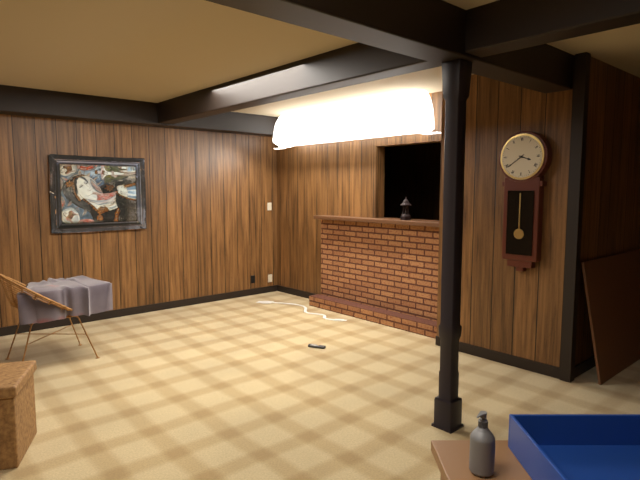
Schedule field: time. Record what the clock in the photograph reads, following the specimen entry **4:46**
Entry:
**3:39**
